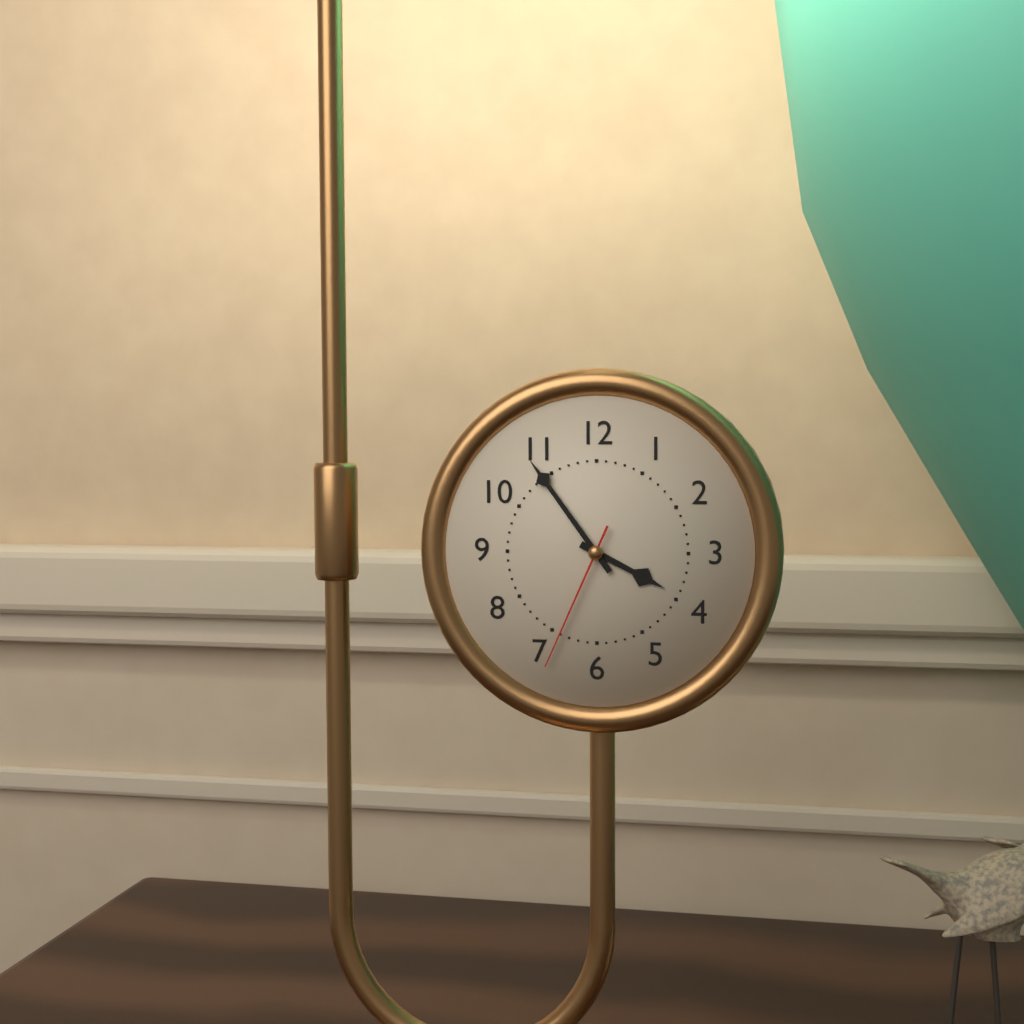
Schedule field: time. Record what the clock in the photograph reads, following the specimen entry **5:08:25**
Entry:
**3:54:34**
